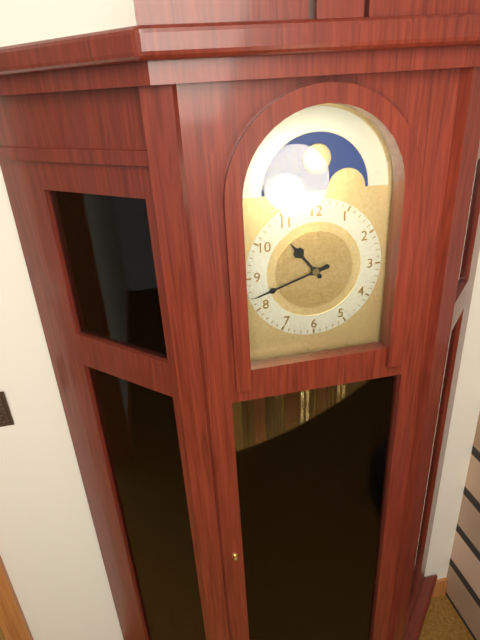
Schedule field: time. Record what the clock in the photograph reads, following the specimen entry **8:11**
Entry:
**10:42**
